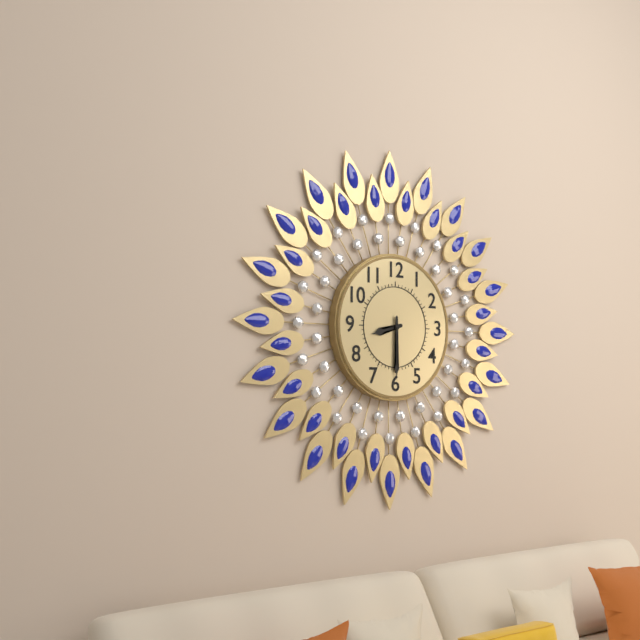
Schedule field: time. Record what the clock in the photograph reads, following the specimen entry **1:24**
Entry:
**8:30**
